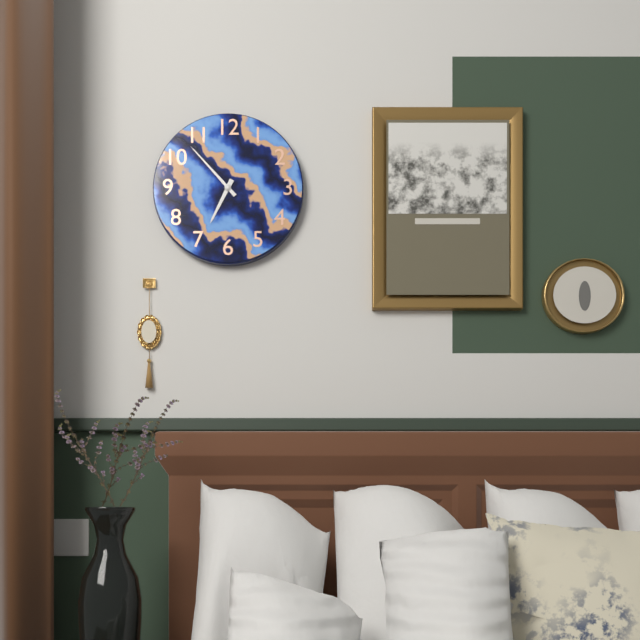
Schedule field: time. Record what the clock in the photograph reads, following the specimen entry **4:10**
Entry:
**6:53**
